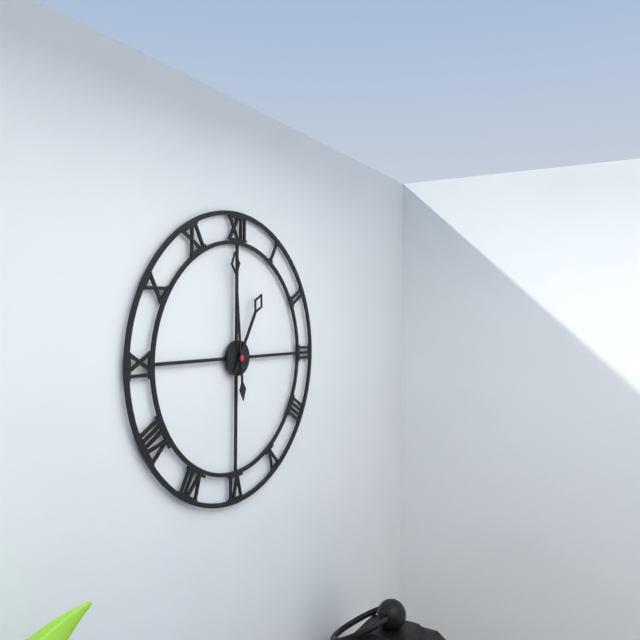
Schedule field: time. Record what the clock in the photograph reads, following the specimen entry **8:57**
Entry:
**12:59**
